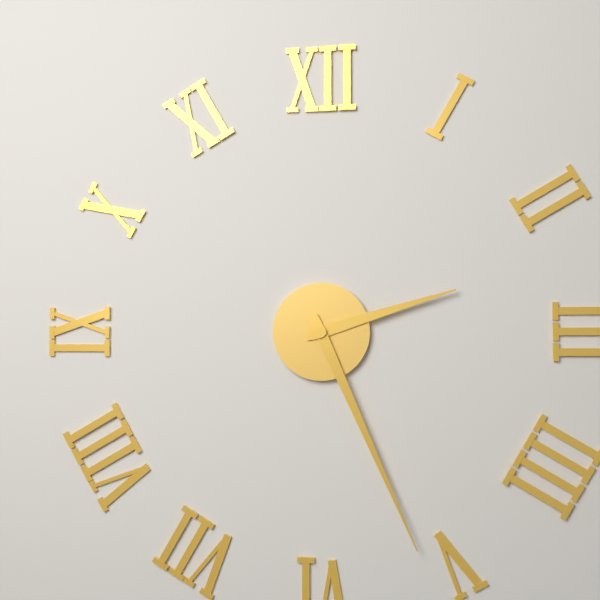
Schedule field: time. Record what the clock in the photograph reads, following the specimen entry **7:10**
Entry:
**2:26**
